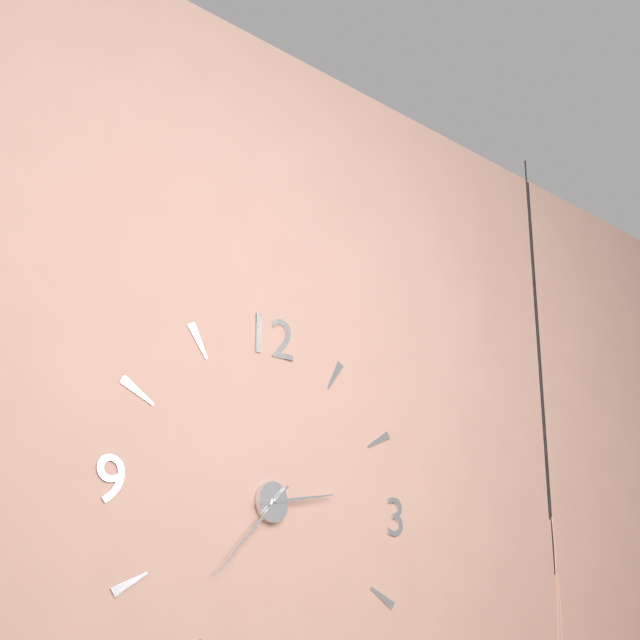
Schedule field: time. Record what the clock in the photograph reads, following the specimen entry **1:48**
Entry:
**2:37**
